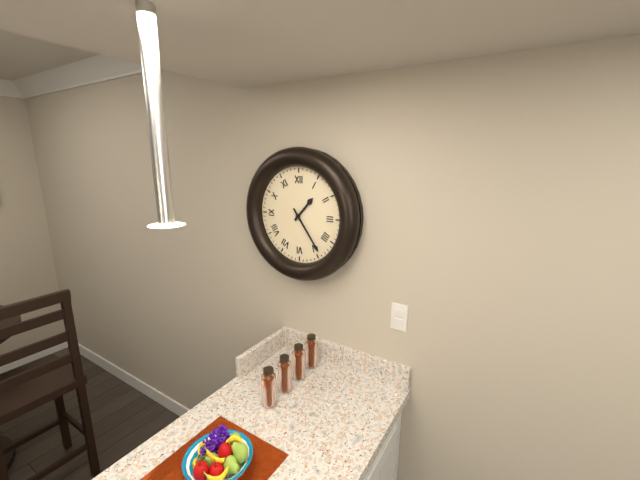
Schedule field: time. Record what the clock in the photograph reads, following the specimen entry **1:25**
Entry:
**1:24**
